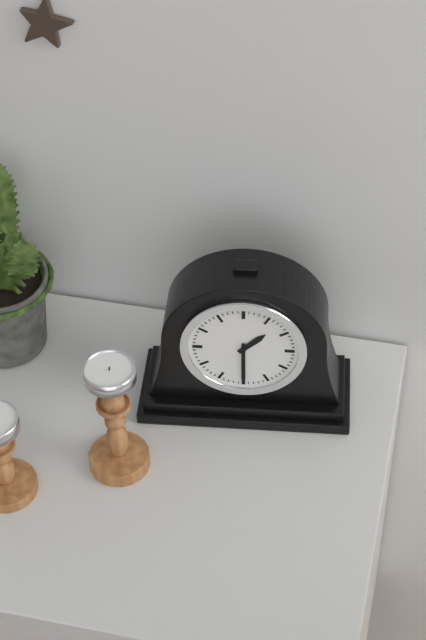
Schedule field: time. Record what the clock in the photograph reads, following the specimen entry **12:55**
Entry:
**1:30**
